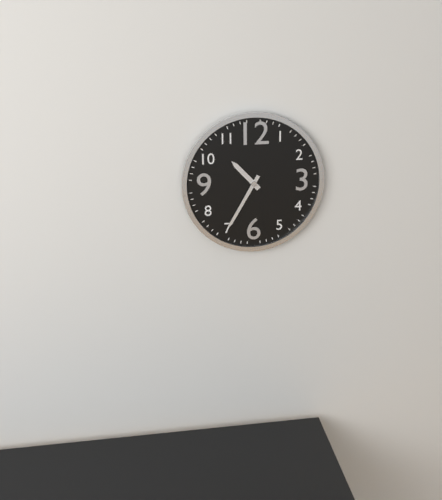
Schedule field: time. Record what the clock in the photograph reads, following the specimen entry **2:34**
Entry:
**10:35**
